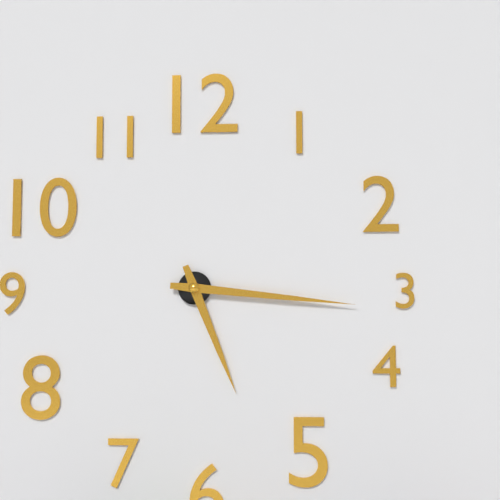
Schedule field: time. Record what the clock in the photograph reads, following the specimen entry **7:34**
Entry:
**5:16**
